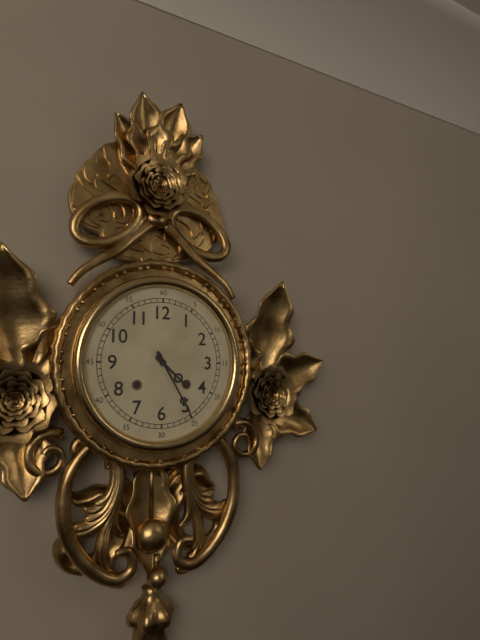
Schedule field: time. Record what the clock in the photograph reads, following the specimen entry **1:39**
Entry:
**4:25**
